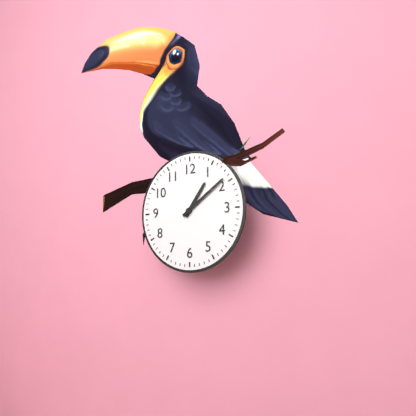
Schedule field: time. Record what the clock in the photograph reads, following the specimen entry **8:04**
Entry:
**1:09**
